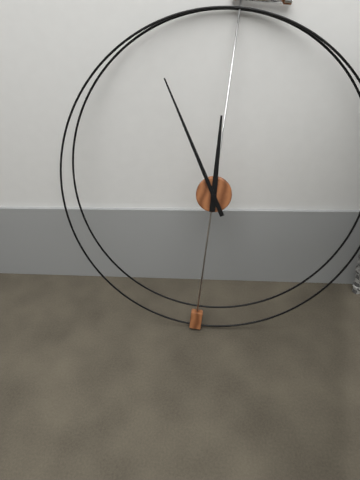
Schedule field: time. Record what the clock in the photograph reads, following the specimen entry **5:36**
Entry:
**11:55**
